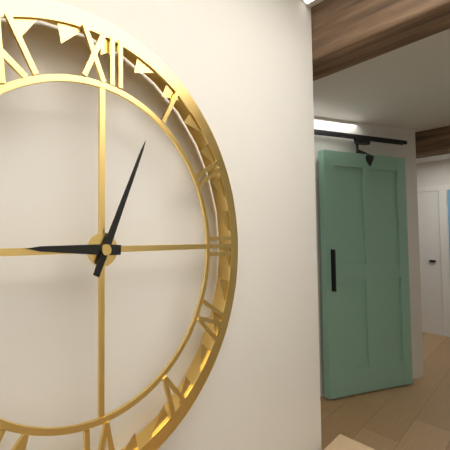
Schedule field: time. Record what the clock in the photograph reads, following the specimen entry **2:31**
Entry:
**9:04**
